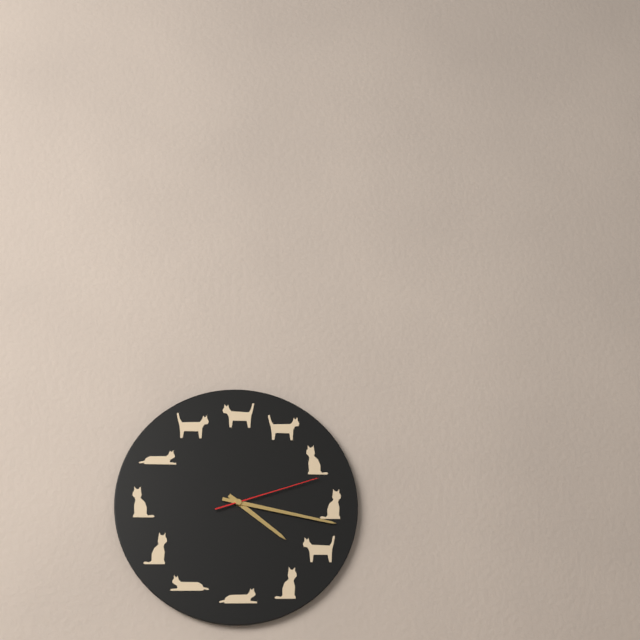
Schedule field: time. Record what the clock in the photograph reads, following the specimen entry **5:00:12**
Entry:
**4:17:12**
